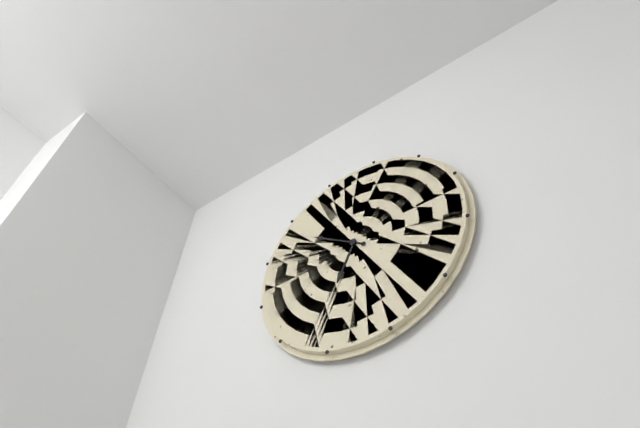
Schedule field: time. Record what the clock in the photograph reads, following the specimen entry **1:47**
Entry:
**6:51**
